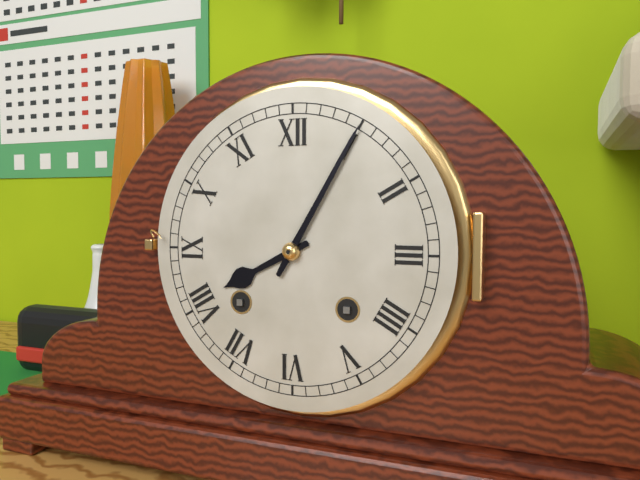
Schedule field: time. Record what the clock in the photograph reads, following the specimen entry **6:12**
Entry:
**8:05**
